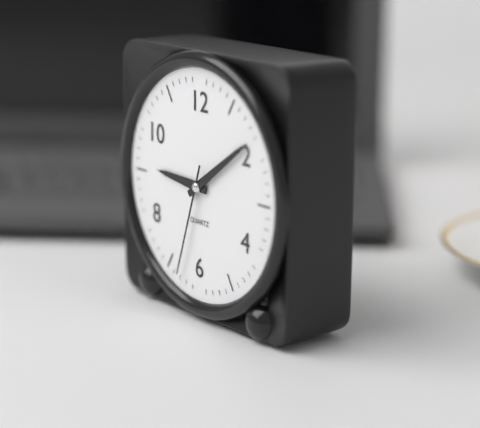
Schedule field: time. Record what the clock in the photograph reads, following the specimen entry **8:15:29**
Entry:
**9:09:33**
